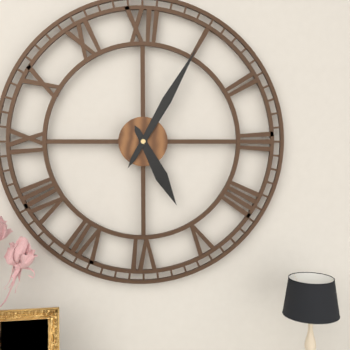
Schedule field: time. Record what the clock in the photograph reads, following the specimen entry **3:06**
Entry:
**5:05**
